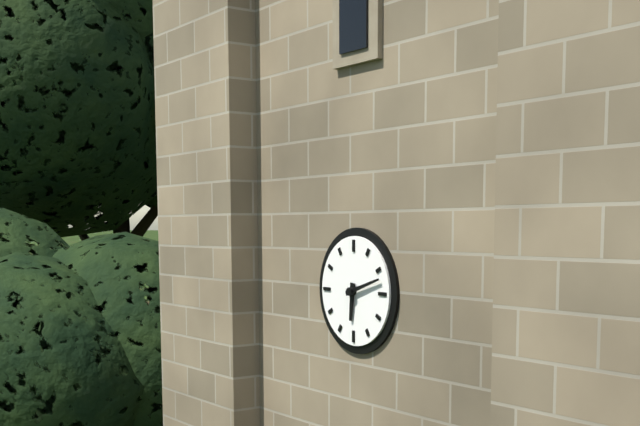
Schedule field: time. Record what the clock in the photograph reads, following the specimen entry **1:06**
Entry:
**6:12**
